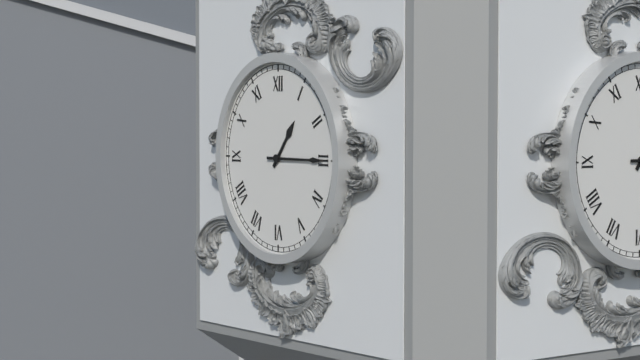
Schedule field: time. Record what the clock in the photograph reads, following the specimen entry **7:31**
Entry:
**1:15**
